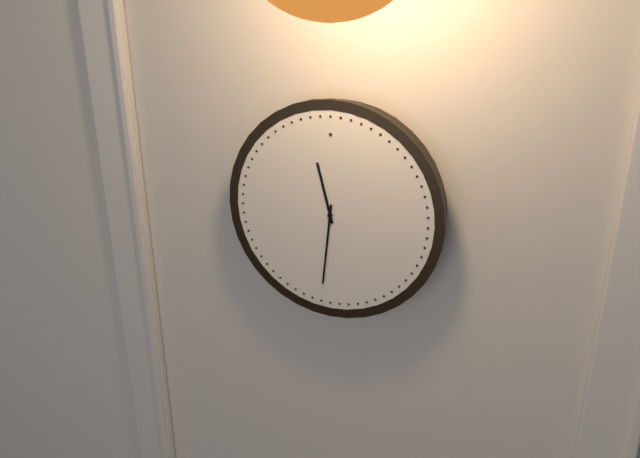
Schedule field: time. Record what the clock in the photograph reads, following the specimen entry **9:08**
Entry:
**11:31**
